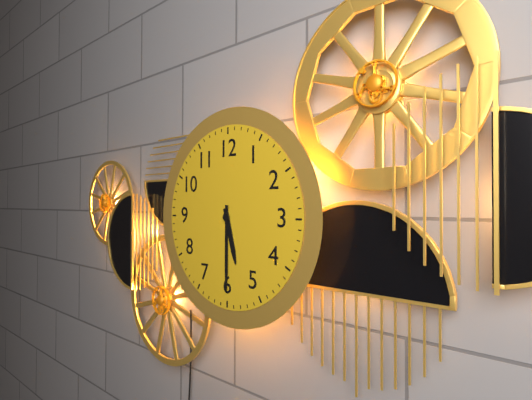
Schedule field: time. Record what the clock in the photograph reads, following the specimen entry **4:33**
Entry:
**5:30**
